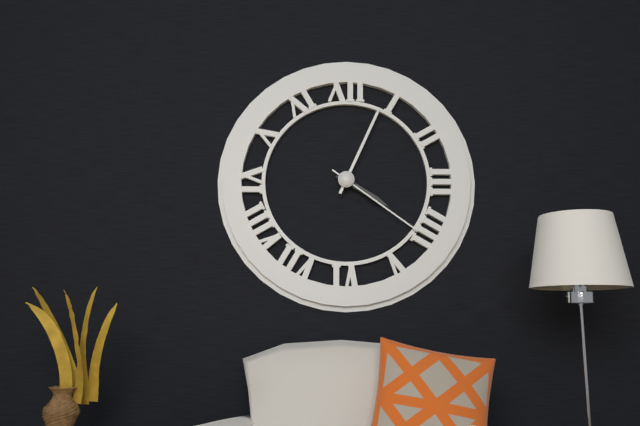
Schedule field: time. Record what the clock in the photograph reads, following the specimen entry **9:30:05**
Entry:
**4:04:21**
